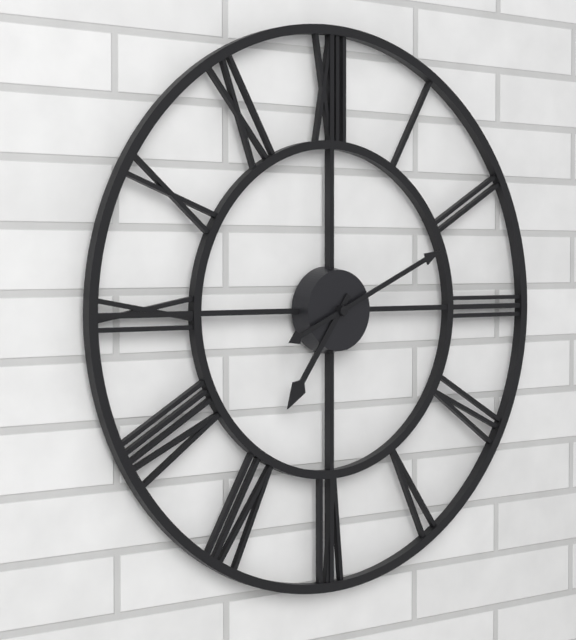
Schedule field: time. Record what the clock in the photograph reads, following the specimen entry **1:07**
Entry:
**7:11**
